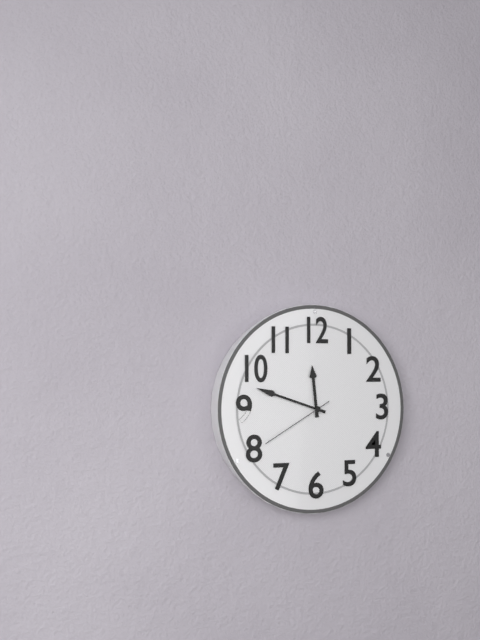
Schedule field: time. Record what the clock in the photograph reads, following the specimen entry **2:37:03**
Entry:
**11:48:40**
